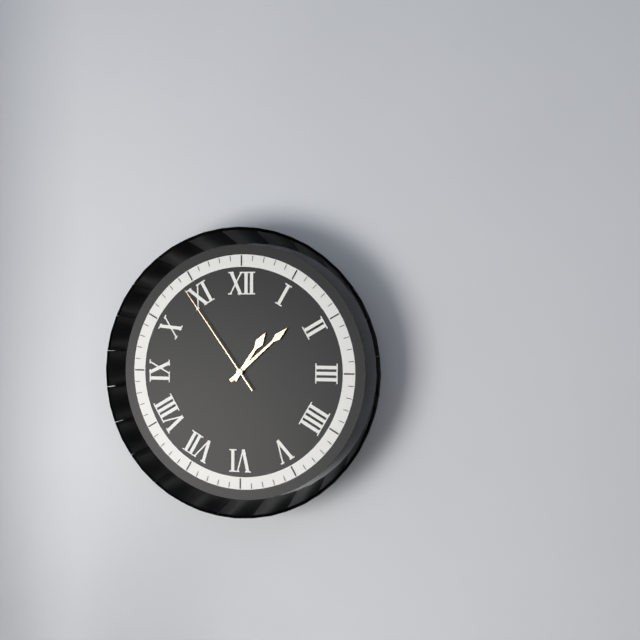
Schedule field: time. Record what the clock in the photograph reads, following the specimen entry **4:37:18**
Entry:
**1:08:54**
